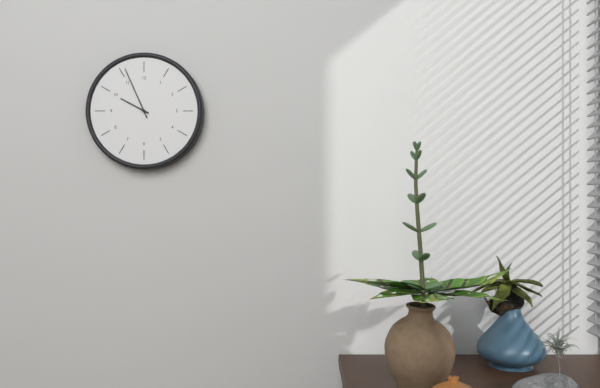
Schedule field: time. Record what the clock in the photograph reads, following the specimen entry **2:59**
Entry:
**9:56**
